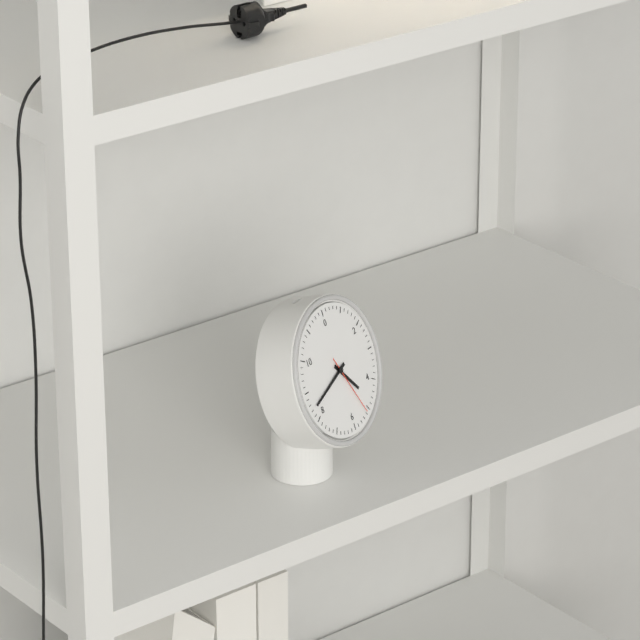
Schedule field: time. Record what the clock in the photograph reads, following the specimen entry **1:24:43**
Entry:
**4:42:26**
